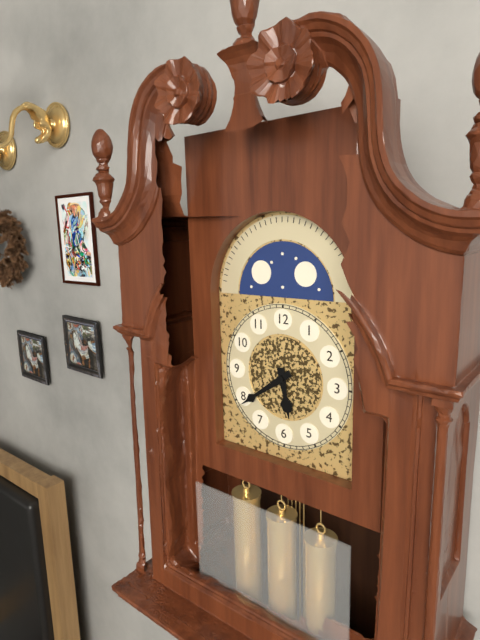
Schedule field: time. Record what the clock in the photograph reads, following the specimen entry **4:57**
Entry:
**5:39**
